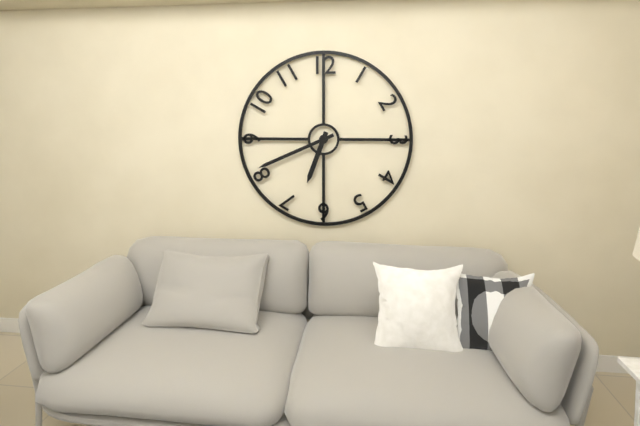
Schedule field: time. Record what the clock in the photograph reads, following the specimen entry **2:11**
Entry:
**6:41**
